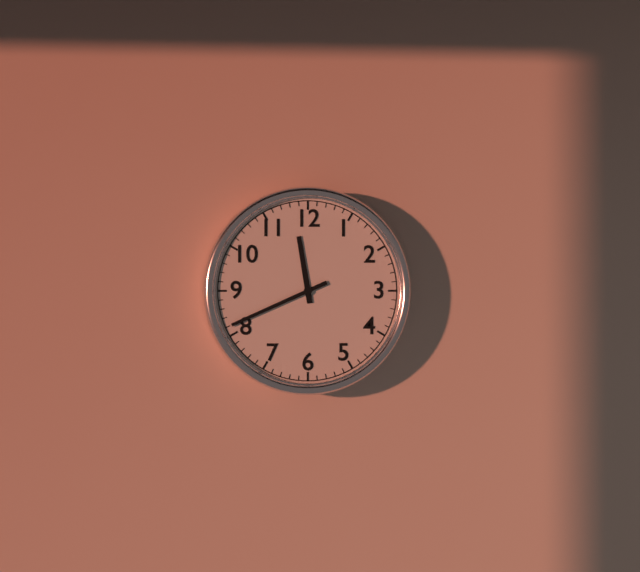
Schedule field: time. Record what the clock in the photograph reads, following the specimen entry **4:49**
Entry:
**11:41**
